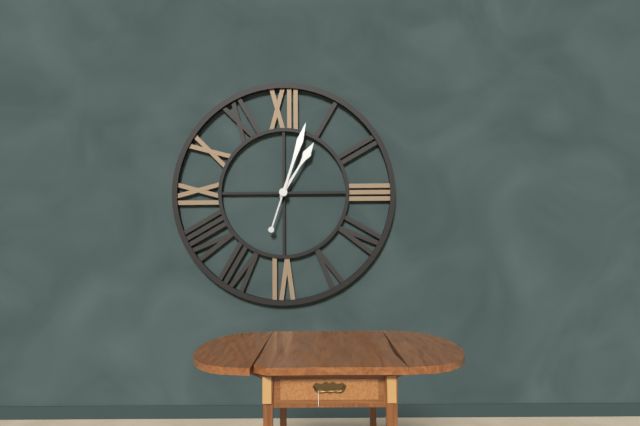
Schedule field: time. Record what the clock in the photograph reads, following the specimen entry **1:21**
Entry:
**1:03**
